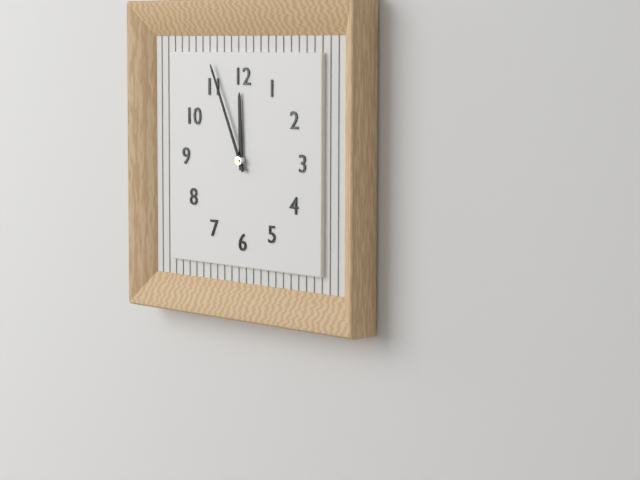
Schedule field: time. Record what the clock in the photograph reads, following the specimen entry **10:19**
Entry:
**11:56**
